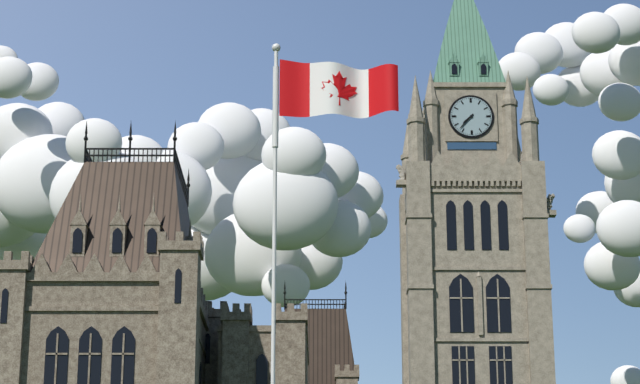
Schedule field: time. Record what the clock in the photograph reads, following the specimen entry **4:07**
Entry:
**7:37**
